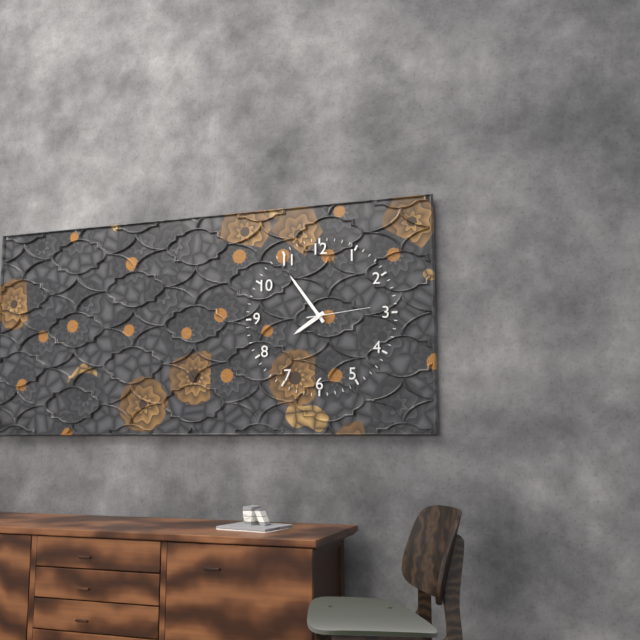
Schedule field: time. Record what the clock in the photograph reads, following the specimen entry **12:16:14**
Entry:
**7:54:14**
